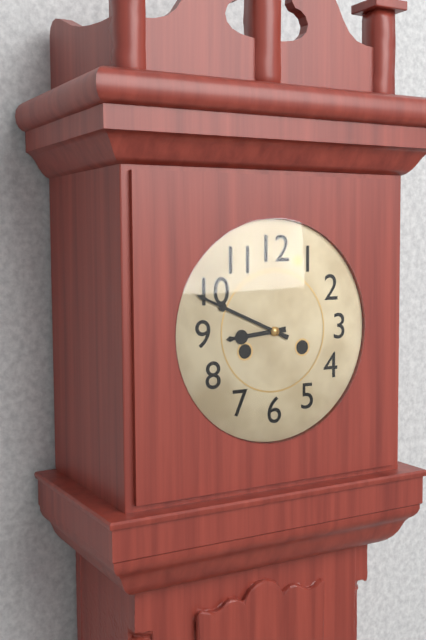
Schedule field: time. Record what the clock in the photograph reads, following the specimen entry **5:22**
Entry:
**8:49**
